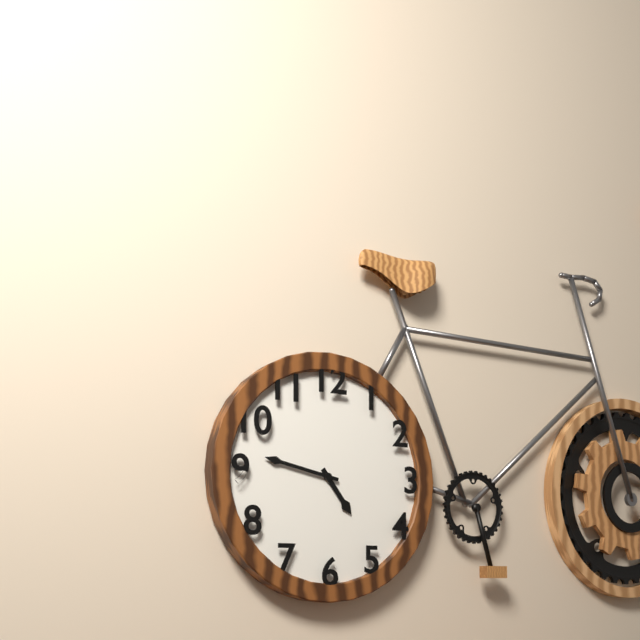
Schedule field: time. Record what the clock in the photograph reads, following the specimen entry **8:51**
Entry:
**4:47**
